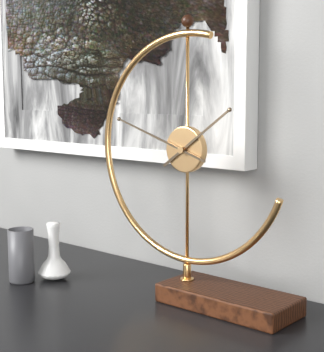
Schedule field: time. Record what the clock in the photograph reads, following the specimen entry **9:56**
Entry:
**1:48**
